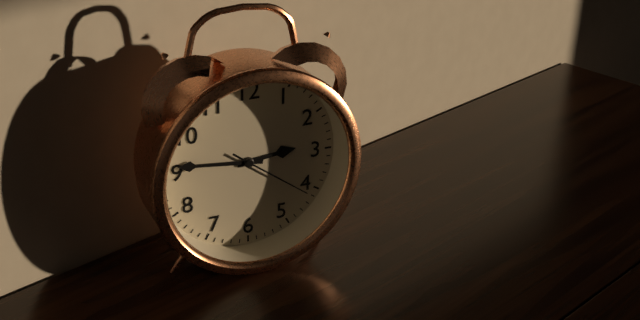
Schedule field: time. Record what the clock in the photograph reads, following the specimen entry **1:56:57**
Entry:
**2:46:21**
